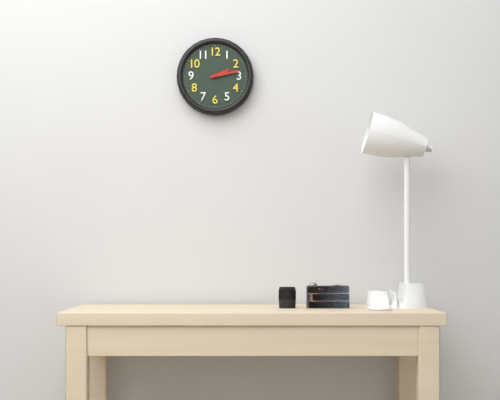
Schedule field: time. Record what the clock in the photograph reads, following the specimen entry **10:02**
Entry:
**2:13**
